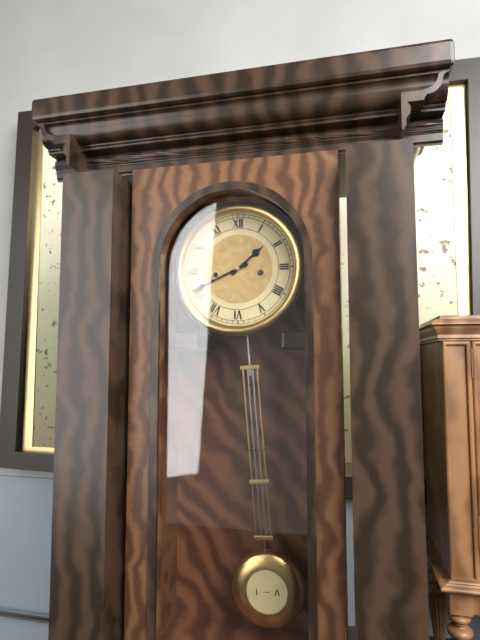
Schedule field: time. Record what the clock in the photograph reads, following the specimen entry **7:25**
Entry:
**1:41**
